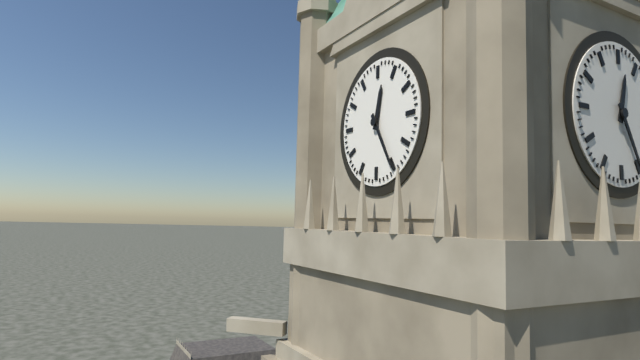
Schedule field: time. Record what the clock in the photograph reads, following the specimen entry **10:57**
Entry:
**12:25**
